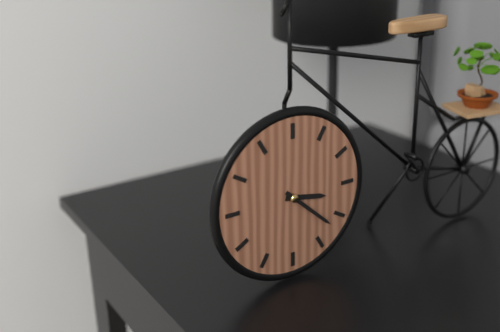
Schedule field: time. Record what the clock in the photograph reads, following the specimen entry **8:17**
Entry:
**3:22**
